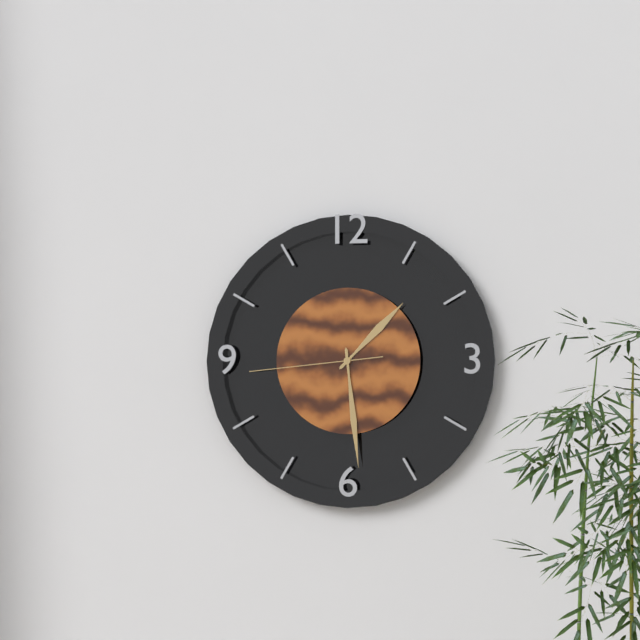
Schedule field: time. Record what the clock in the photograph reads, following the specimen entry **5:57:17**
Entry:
**1:29:44**
